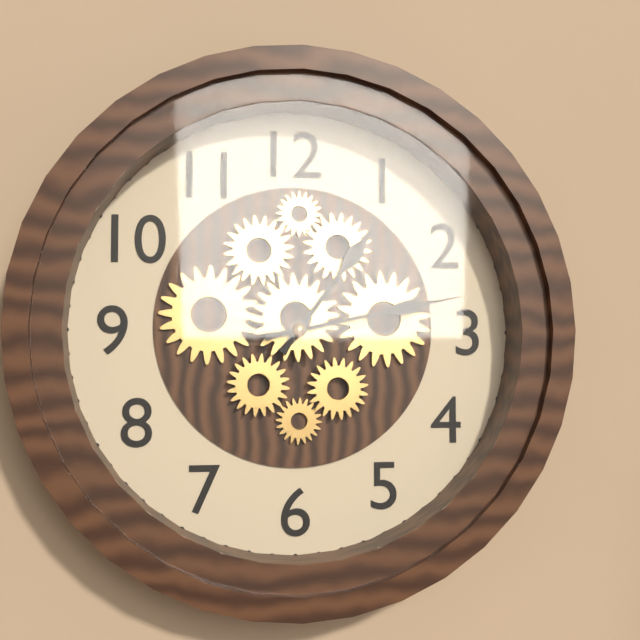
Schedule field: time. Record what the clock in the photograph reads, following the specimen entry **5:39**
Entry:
**1:13**
